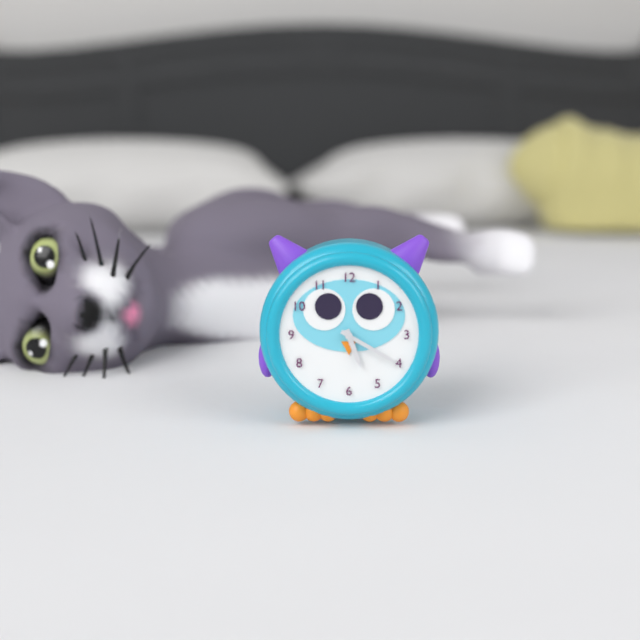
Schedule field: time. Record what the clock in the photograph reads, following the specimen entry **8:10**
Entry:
**5:20**
